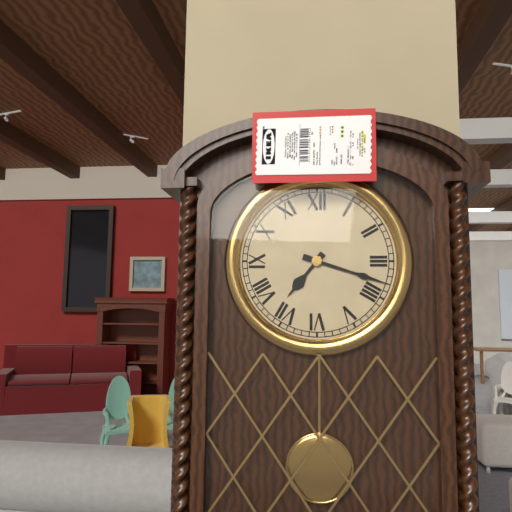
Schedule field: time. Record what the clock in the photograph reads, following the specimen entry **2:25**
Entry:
**7:18**
